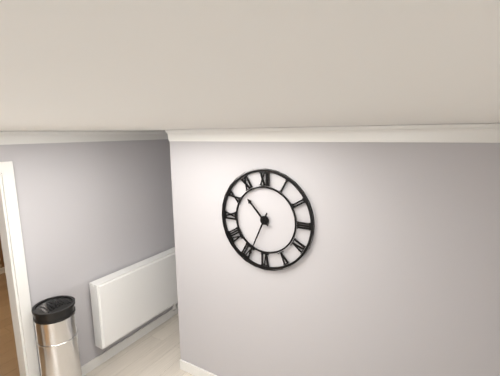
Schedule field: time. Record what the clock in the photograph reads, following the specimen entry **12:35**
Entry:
**10:34**
